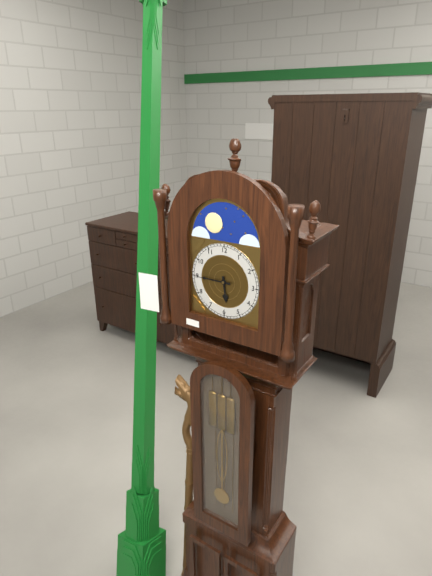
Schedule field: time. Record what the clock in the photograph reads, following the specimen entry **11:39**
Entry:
**5:45**
